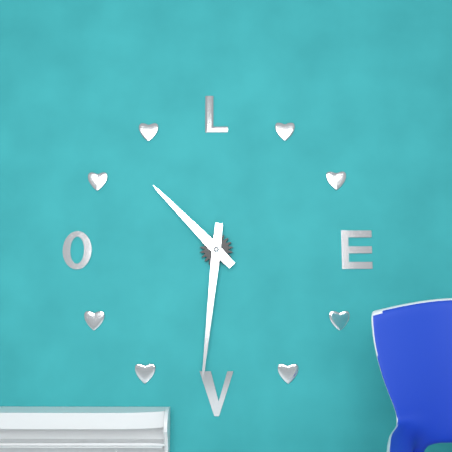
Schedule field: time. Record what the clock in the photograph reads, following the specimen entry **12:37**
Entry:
**10:31**
